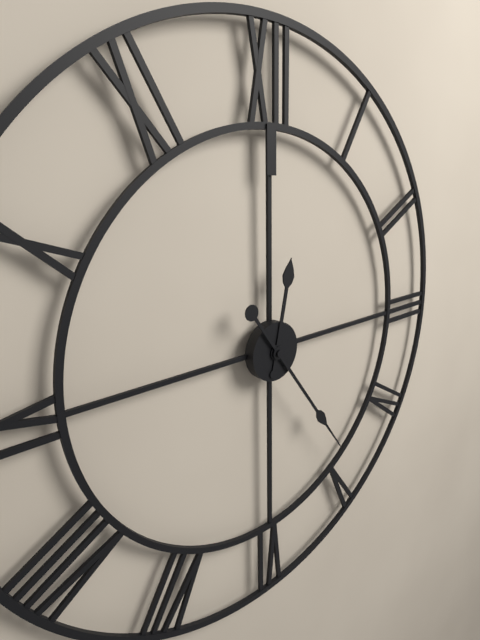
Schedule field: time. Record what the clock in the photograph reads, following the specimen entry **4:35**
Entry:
**12:24**
